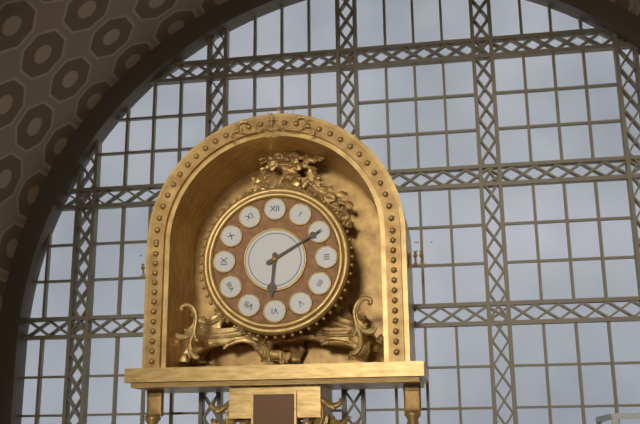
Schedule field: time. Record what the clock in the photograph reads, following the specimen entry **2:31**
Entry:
**6:10**
